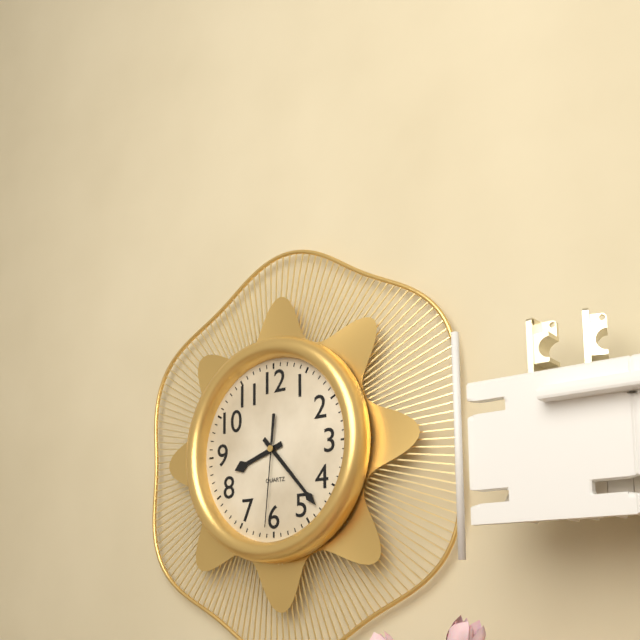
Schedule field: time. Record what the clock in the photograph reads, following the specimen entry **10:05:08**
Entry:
**8:23:31**
